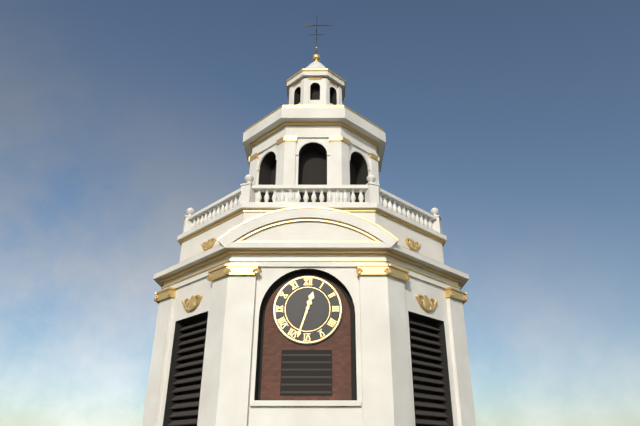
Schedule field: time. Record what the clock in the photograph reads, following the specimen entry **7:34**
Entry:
**12:33**
